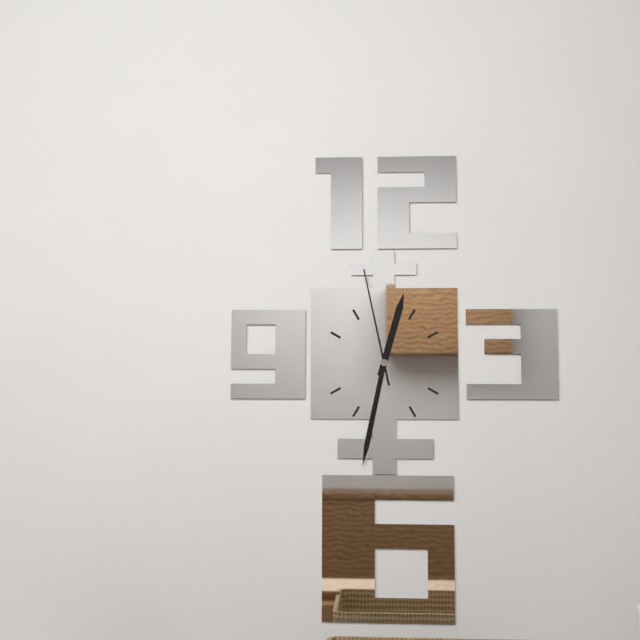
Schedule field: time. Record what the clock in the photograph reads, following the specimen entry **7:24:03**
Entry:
**12:32:58**
